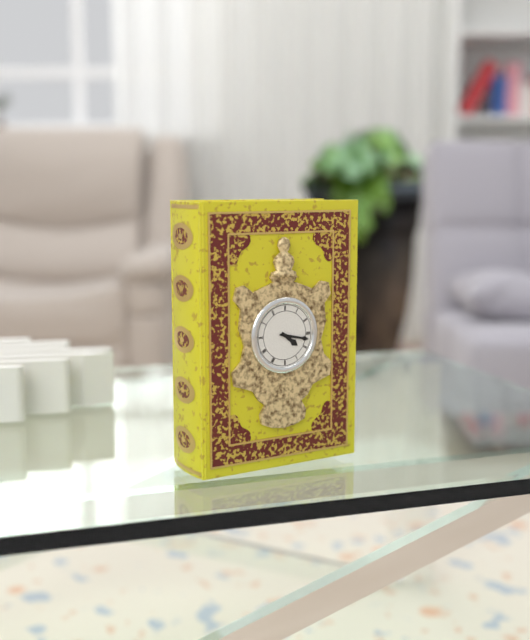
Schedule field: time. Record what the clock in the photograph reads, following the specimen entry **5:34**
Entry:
**4:17**
